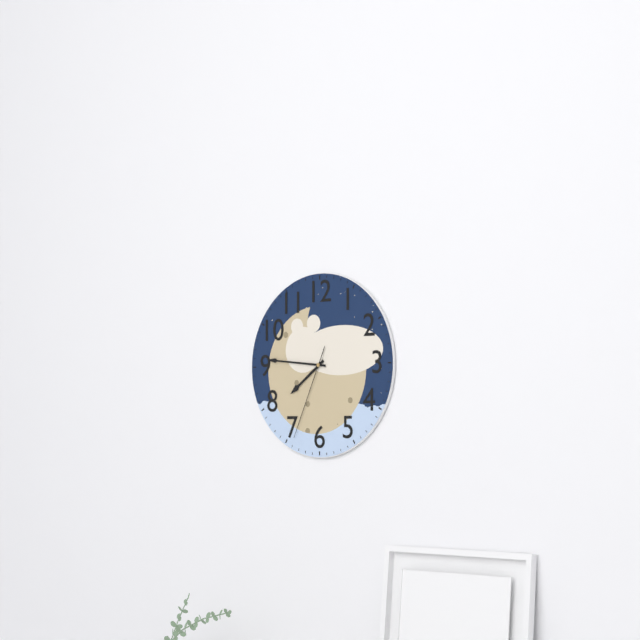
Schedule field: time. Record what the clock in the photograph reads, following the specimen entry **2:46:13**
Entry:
**7:46:34**
